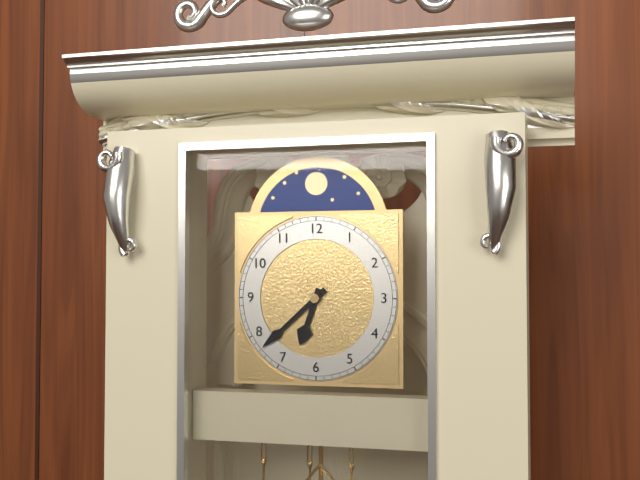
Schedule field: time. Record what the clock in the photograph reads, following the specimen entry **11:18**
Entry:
**6:38**
